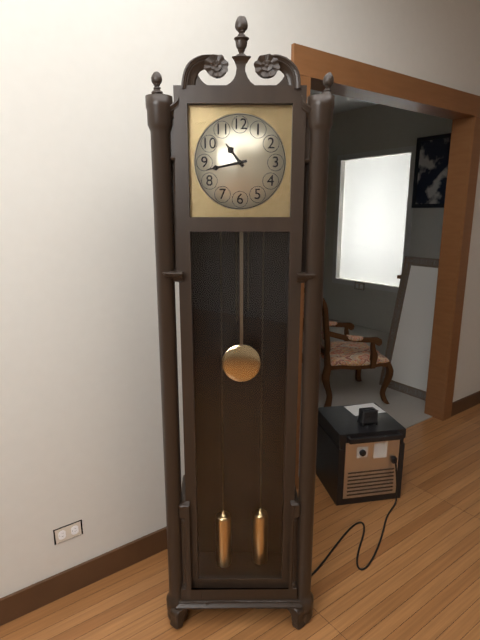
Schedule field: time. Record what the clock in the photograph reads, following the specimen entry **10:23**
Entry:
**10:43**
